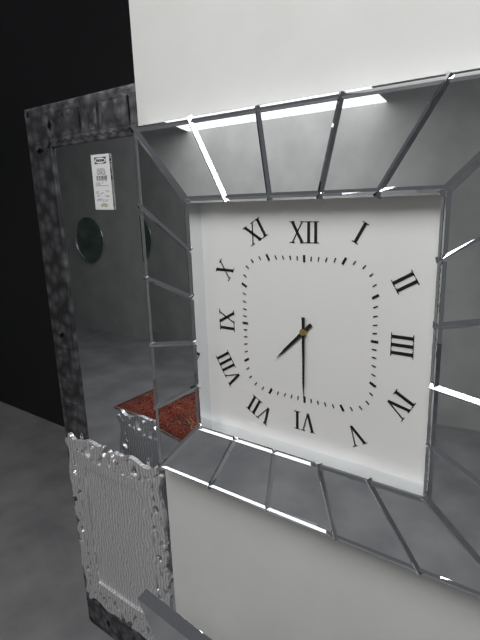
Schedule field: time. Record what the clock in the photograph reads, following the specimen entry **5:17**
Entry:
**7:30**
